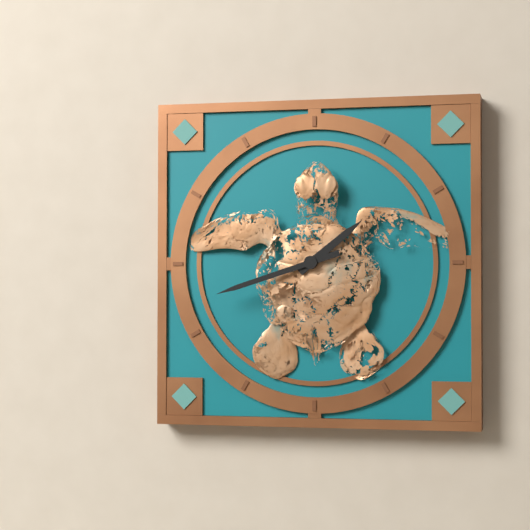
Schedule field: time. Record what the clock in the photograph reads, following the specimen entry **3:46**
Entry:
**1:42**
